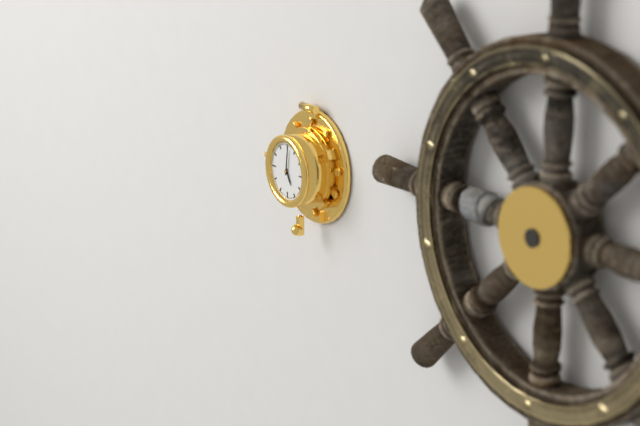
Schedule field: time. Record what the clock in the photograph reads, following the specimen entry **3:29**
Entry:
**5:01**
